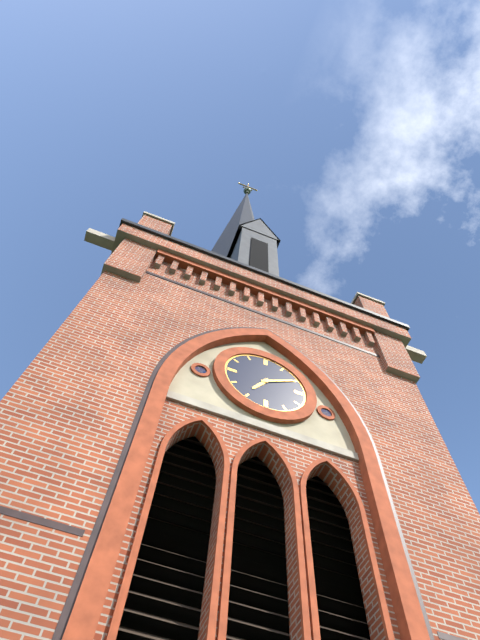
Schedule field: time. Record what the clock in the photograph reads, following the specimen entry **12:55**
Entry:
**7:10**
